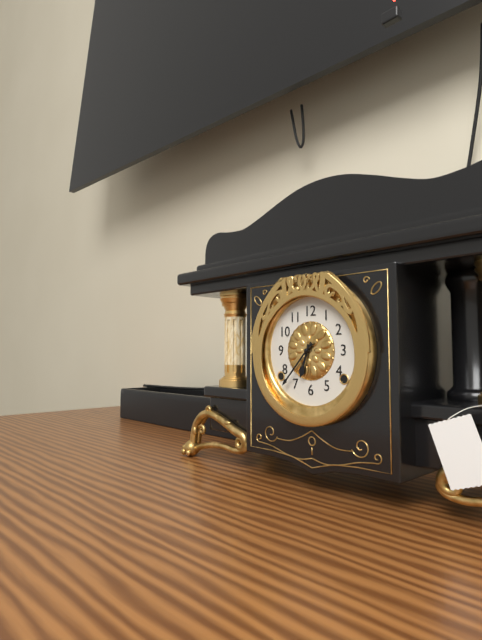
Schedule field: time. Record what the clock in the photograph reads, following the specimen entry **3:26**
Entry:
**6:37**
